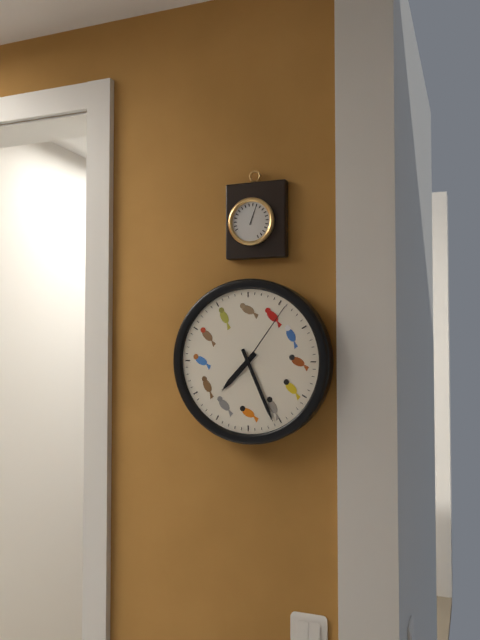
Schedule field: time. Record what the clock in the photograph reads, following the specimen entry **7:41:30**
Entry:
**7:26:06**
